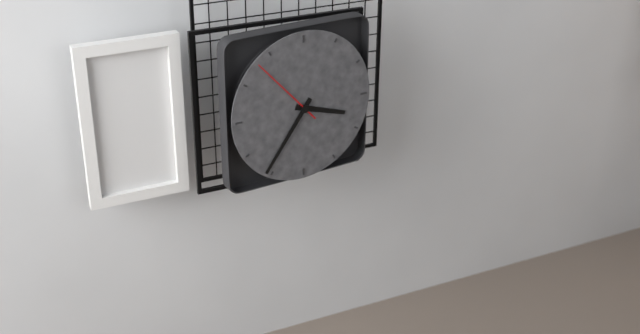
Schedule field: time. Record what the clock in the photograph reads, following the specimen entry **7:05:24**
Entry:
**3:36:53**
